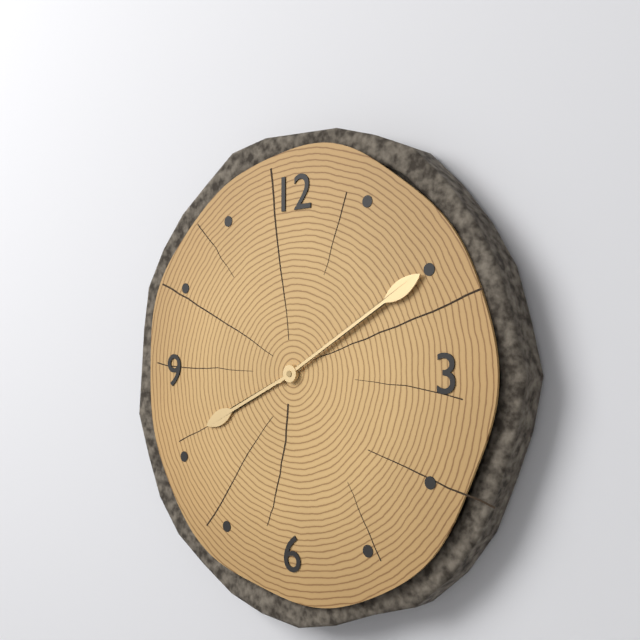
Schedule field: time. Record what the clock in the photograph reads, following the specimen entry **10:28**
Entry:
**8:10**
